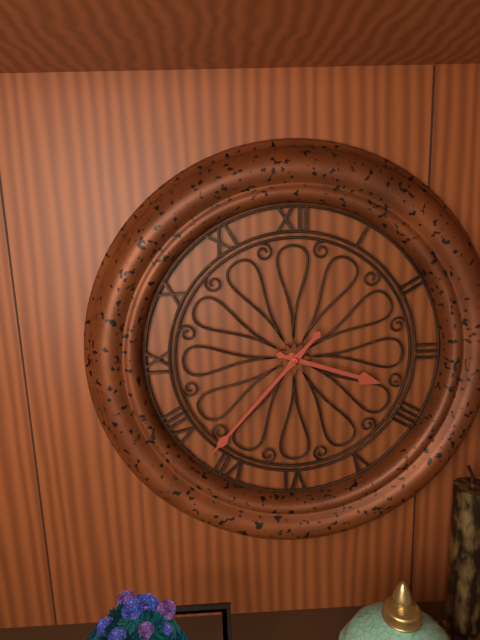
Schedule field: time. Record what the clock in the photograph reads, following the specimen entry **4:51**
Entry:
**3:37**
